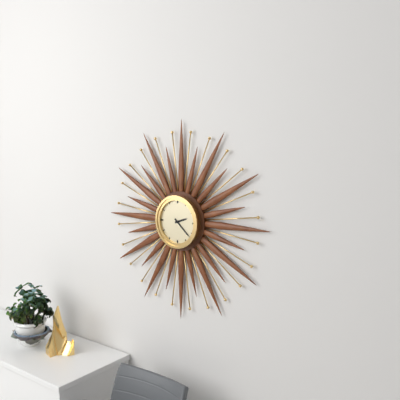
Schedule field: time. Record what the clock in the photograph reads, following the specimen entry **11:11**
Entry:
**2:22**
